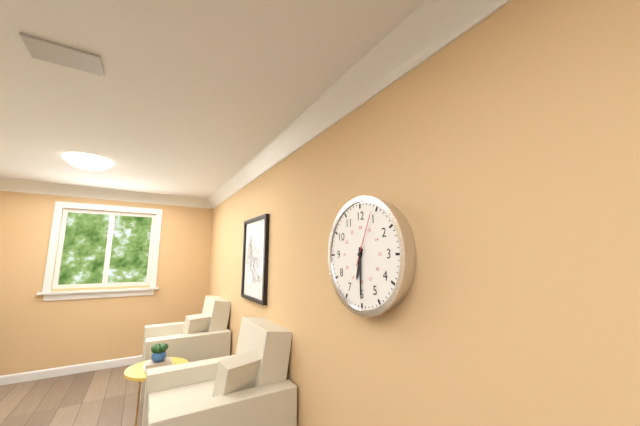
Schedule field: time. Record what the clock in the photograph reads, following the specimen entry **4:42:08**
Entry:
**6:30:04**
